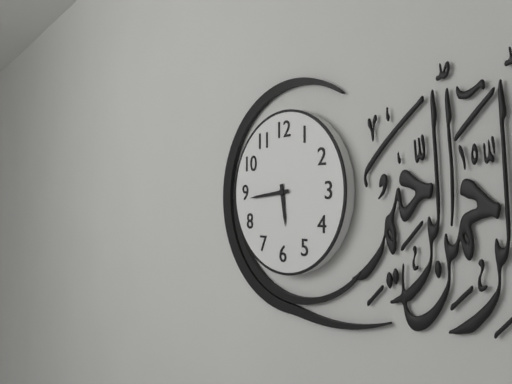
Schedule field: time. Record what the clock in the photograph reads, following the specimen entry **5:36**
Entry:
**5:44**
